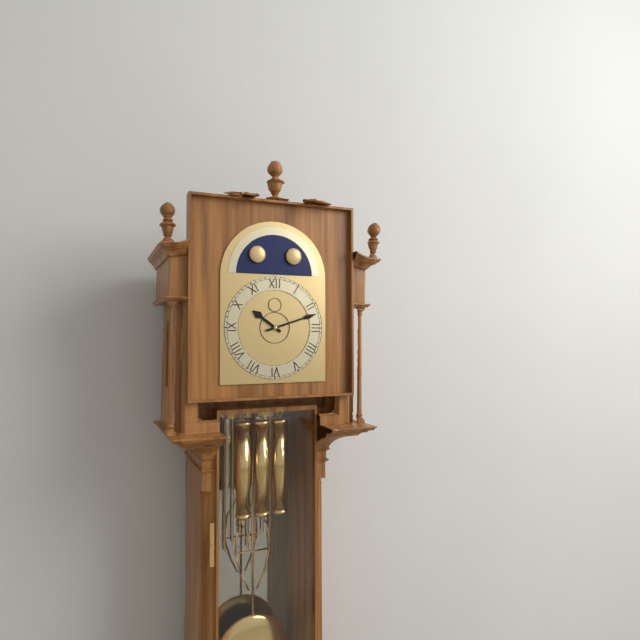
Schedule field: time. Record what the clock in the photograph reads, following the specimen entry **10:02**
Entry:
**10:12**
